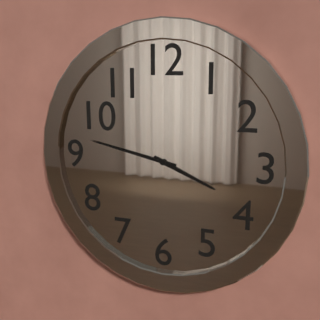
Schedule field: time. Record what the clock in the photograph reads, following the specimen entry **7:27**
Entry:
**3:47**
